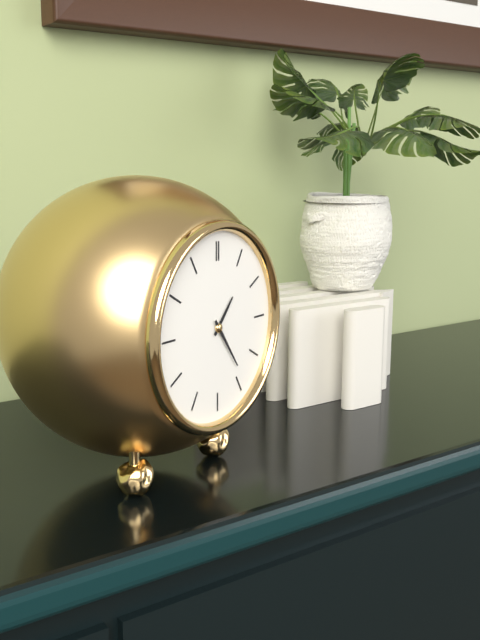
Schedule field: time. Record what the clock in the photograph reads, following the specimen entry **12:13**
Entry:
**1:24**
